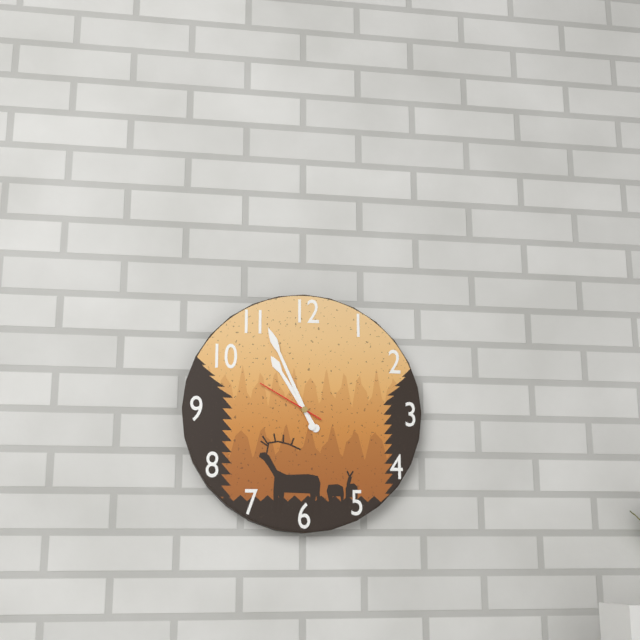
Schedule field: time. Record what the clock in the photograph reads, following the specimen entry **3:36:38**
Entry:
**10:56:50**
